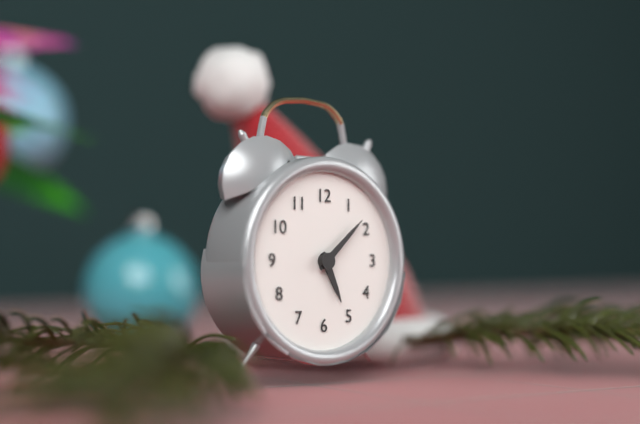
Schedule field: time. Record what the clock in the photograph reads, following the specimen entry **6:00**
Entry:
**5:08**
